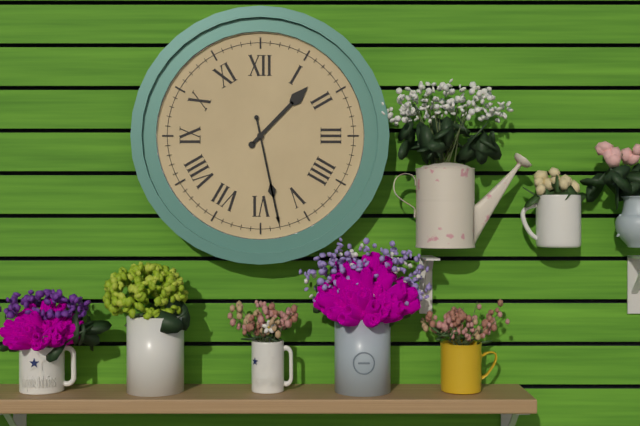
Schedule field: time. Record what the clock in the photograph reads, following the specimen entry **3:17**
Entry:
**1:28**
